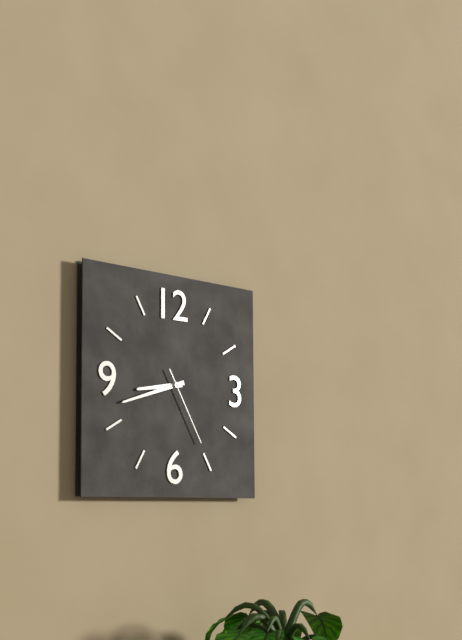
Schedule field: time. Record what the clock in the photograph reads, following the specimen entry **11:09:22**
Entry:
**8:42:25**
